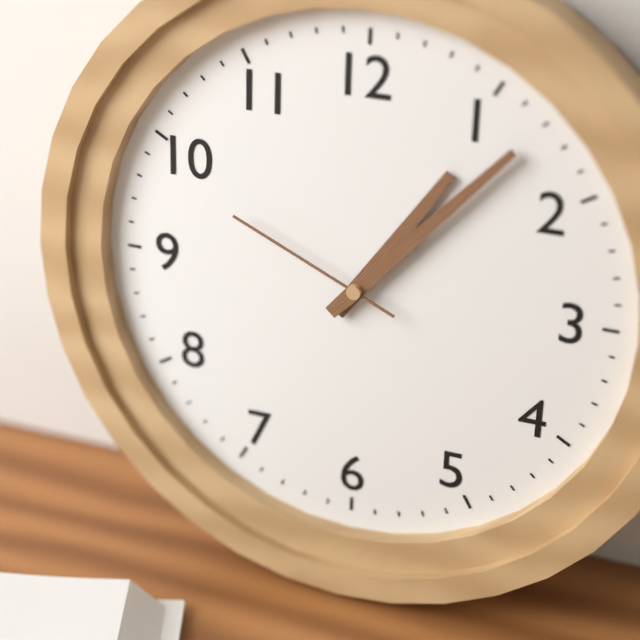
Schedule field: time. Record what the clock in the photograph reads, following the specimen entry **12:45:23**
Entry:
**1:07:49**
